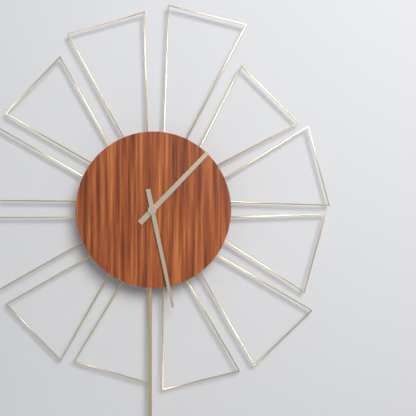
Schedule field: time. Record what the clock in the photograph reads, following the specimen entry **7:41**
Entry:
**1:28**
